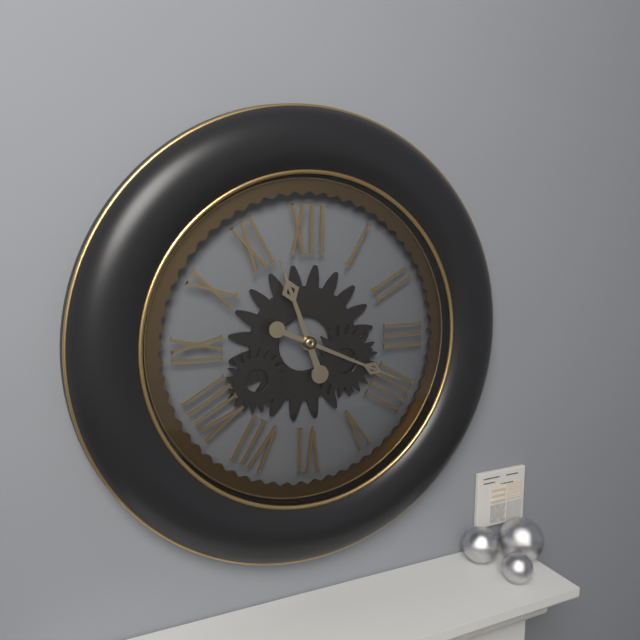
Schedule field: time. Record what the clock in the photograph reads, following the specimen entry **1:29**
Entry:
**11:19**
